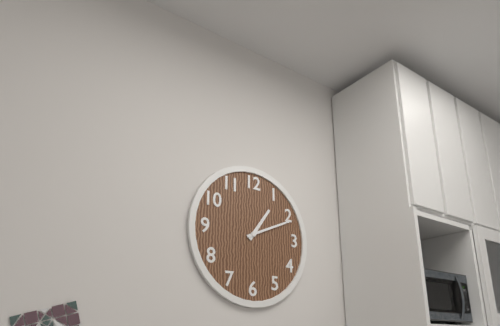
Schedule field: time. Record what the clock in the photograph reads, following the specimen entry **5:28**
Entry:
**1:11**
